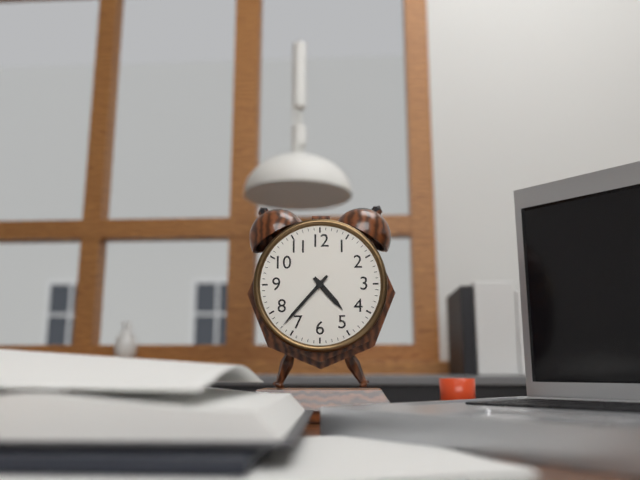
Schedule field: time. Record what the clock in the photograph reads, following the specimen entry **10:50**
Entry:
**4:37**
